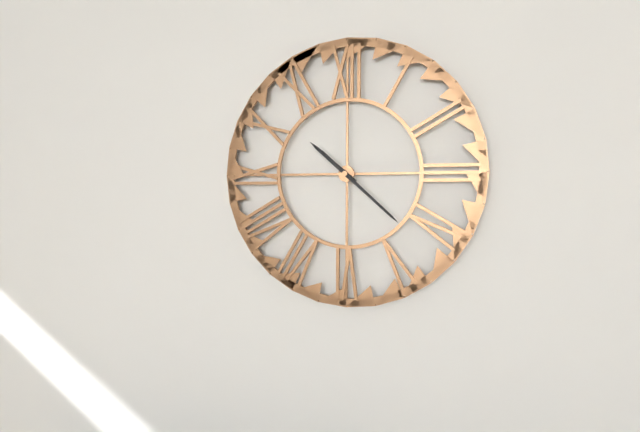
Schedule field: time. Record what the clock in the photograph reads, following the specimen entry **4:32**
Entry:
**10:22**
